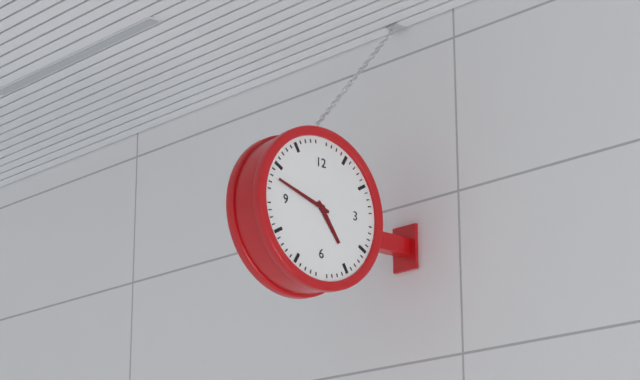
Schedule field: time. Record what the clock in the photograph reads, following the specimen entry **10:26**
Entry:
**4:48**
